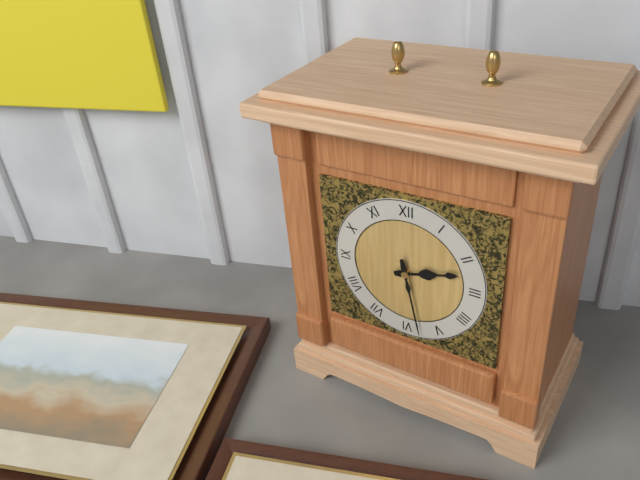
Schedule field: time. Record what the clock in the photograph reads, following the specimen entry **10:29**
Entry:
**2:28**
